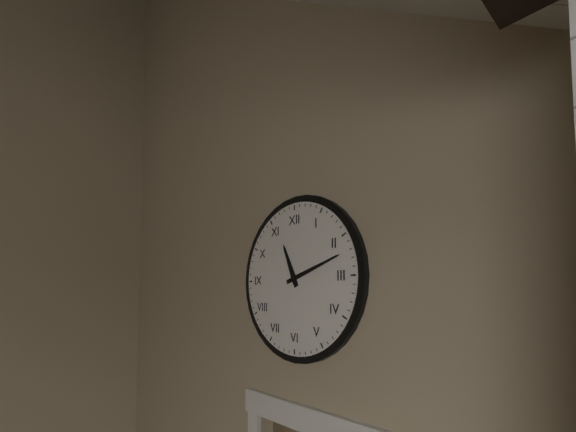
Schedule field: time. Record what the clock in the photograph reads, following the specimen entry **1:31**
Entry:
**11:12**
